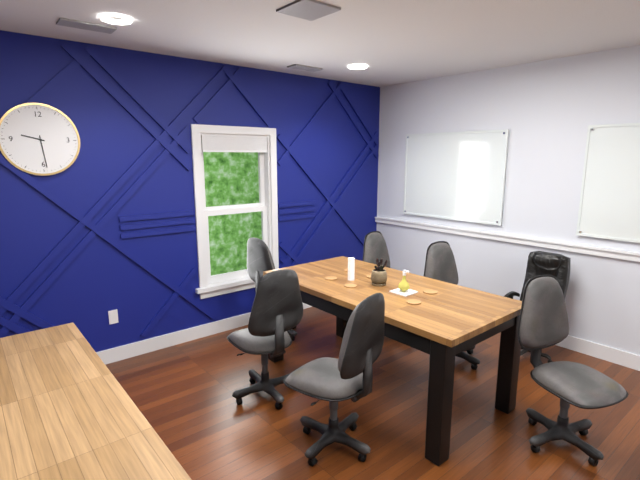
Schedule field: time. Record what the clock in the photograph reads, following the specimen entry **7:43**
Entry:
**9:29**
